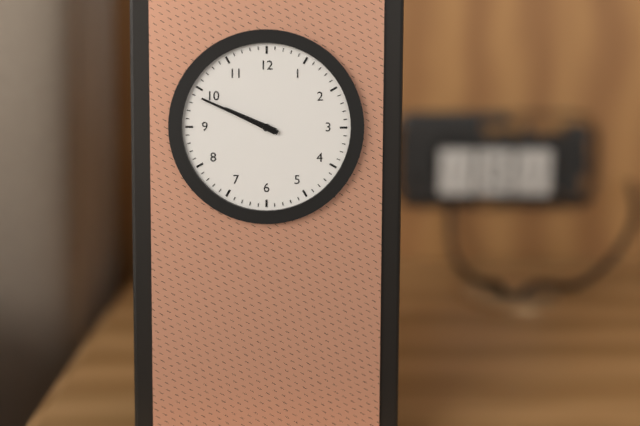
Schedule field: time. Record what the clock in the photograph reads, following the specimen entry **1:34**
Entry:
**9:49**
